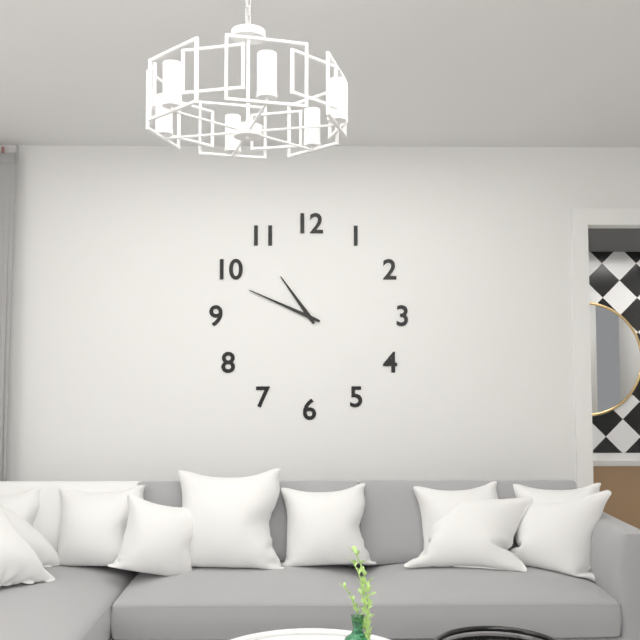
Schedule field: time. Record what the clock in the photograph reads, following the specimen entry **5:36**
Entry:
**10:49**
